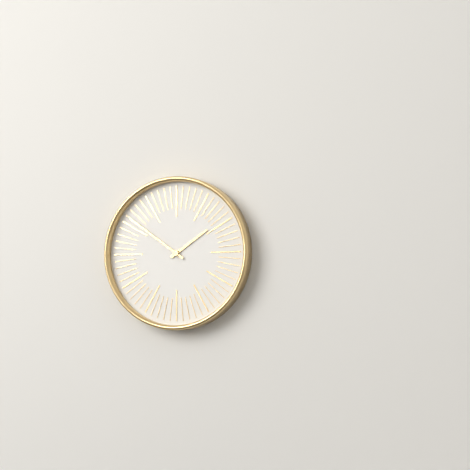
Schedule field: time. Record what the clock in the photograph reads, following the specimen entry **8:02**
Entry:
**1:51**
